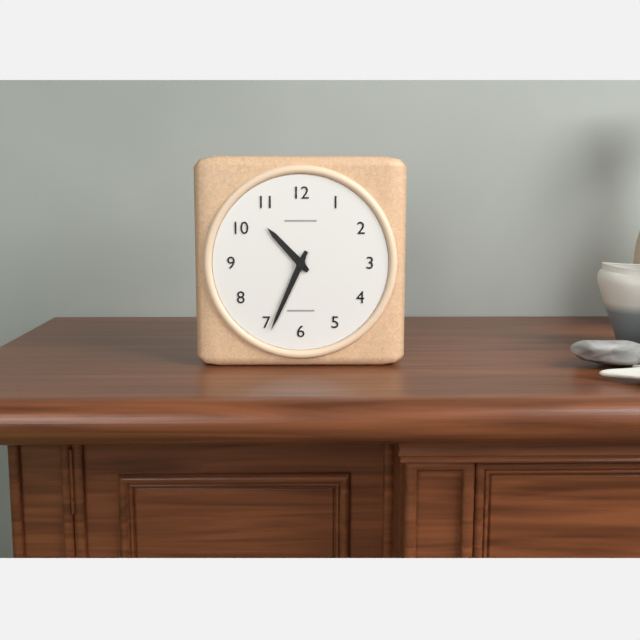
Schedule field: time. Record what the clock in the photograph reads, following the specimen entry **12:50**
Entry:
**10:34**
